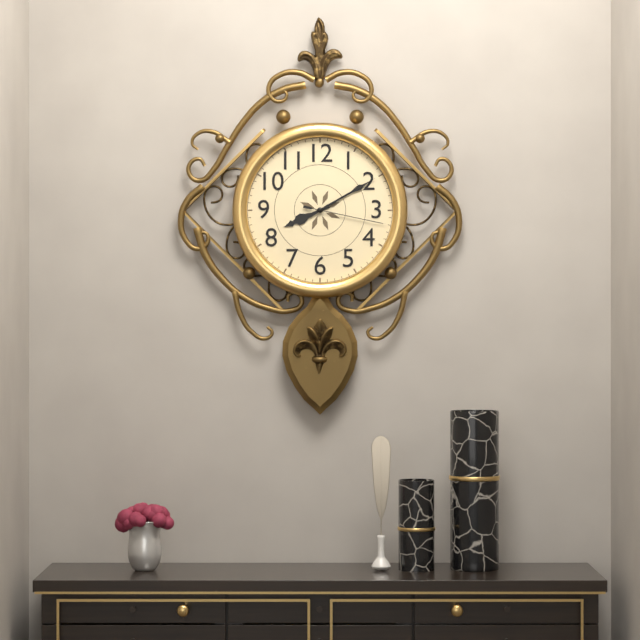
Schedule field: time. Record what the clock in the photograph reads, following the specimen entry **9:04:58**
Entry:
**8:10:17**
